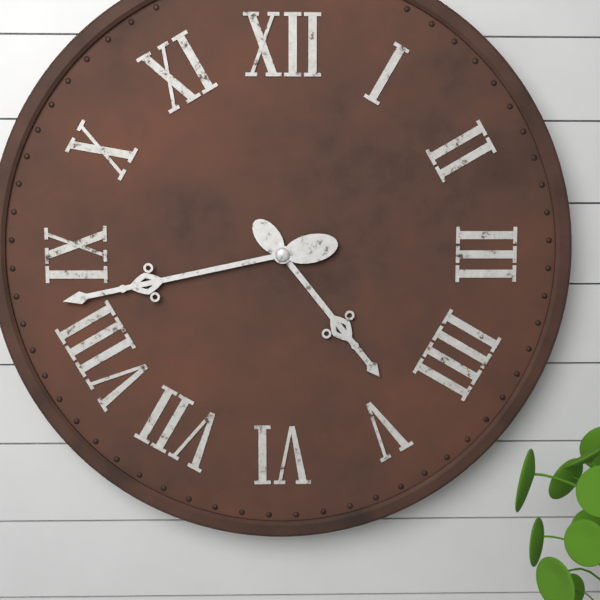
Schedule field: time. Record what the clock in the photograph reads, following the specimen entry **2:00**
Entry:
**4:43**
